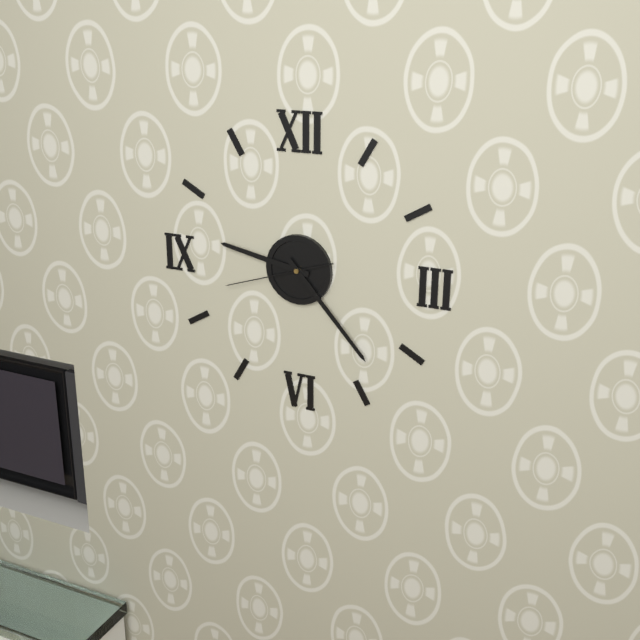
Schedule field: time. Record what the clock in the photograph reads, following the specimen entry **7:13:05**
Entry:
**9:23:42**
